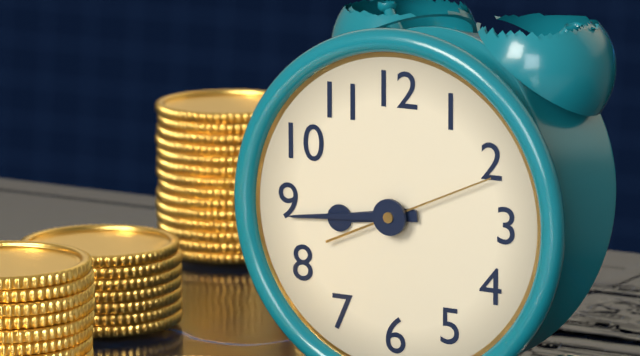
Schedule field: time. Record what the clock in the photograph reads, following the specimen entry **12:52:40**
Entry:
**8:44:11**
